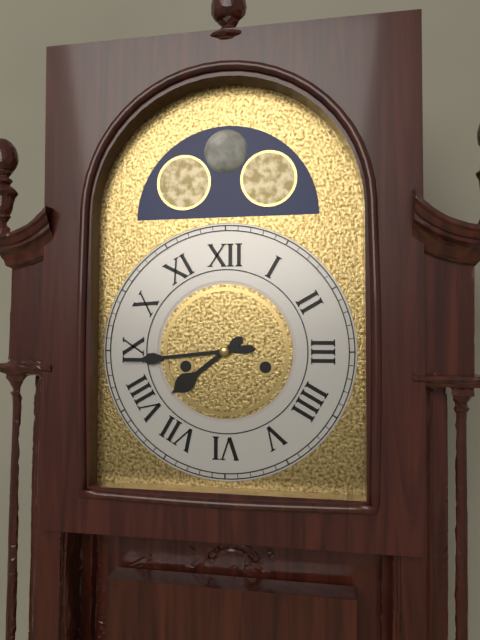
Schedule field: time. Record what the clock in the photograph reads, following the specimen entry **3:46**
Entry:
**7:44**
